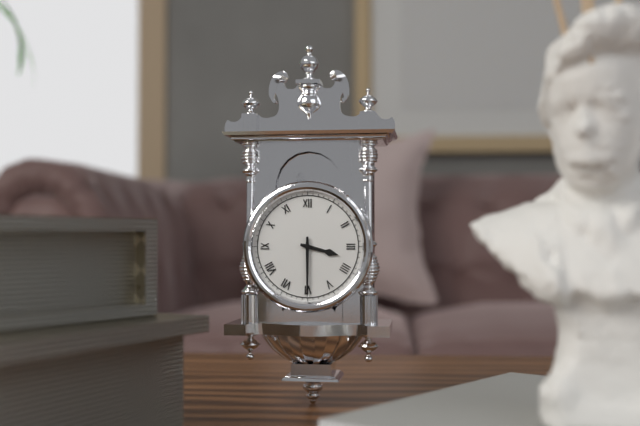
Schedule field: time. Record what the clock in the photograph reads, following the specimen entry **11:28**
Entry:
**3:30**
